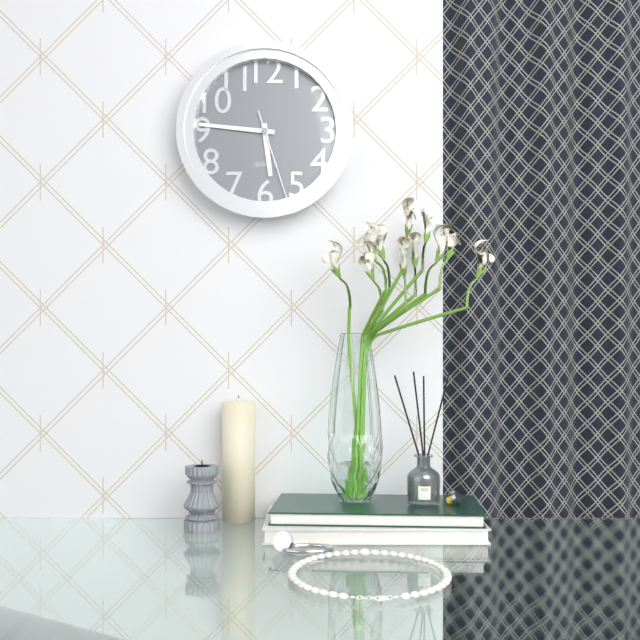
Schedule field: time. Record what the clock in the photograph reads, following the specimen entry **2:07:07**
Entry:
**5:46:27**
